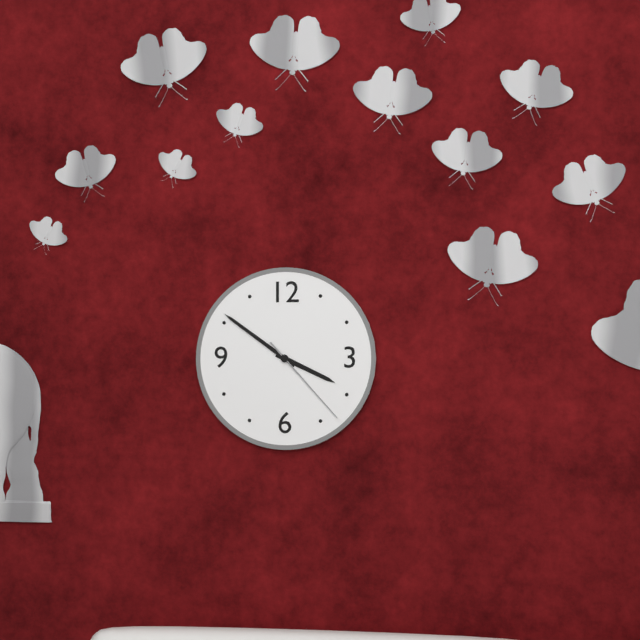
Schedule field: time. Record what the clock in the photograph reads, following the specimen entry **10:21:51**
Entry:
**3:51:23**
